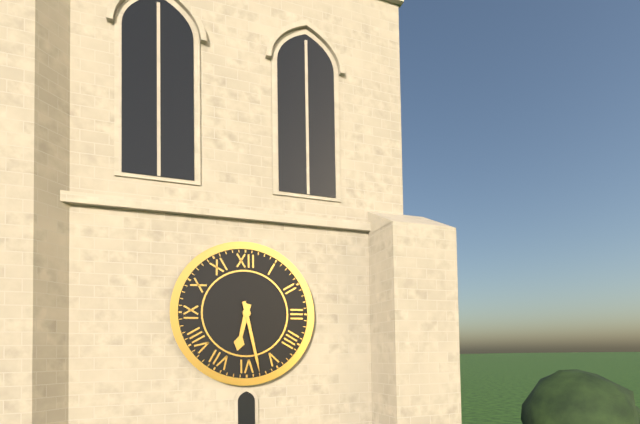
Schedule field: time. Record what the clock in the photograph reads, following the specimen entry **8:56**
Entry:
**6:28**
